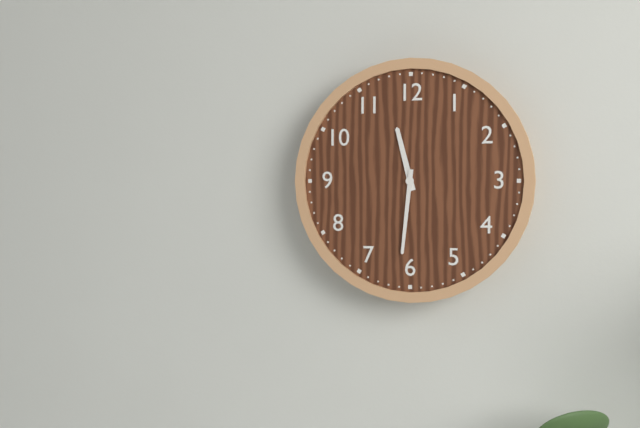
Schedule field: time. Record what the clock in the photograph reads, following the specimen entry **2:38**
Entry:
**11:31**
